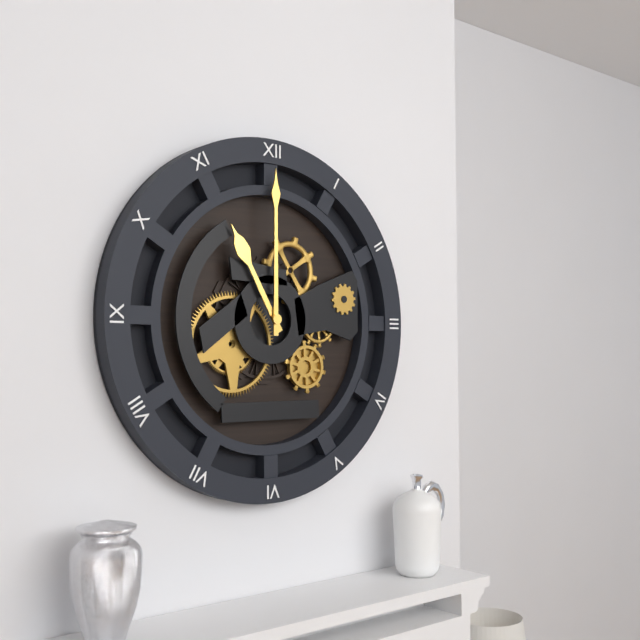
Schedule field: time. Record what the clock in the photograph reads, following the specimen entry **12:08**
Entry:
**11:00**
